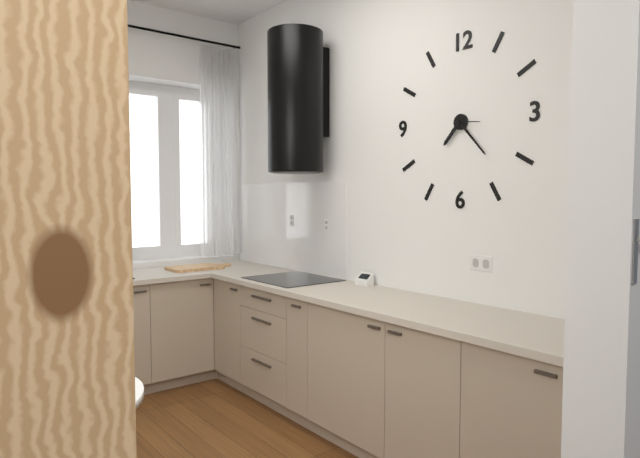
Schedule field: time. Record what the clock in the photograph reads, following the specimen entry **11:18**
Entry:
**7:23**
